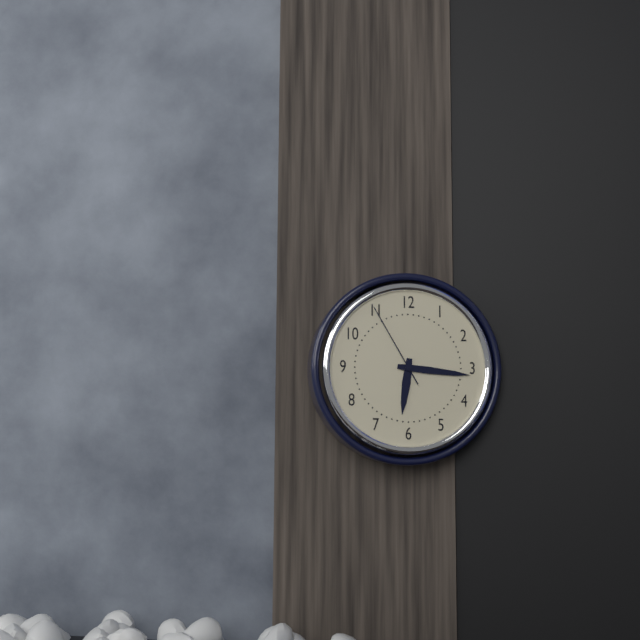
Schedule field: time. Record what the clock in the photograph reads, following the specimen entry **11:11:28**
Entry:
**6:16:55**
